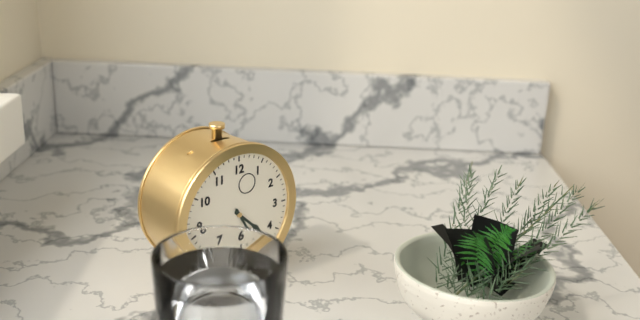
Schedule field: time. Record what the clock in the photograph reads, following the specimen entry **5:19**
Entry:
**4:25**
